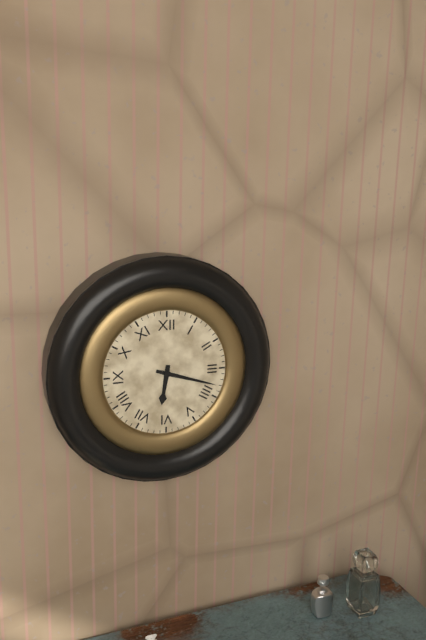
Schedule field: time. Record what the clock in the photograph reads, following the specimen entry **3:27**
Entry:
**6:18**
